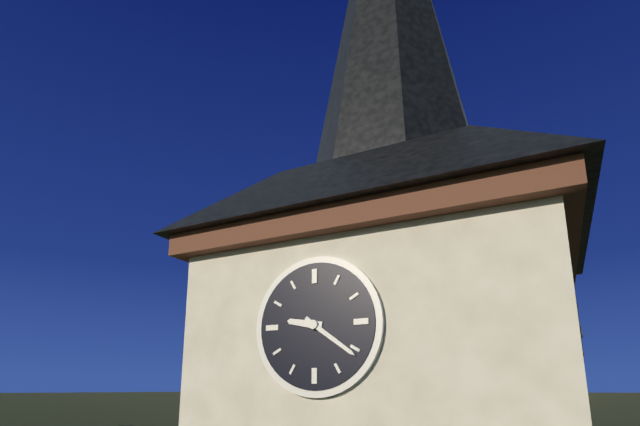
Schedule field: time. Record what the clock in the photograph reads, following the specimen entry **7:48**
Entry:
**9:21**
